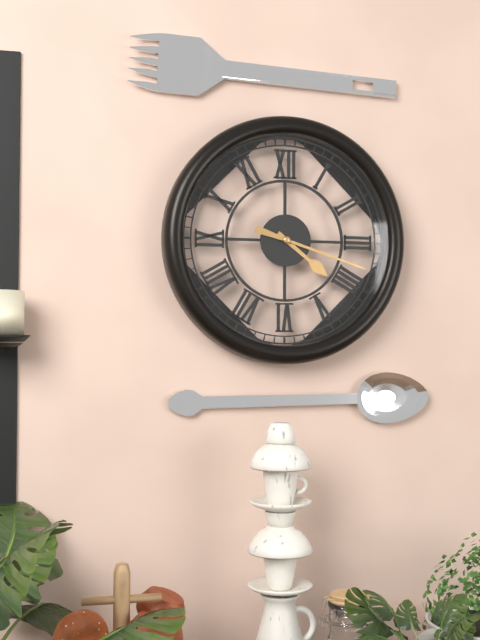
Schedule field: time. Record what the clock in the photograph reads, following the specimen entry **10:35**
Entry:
**4:18**
